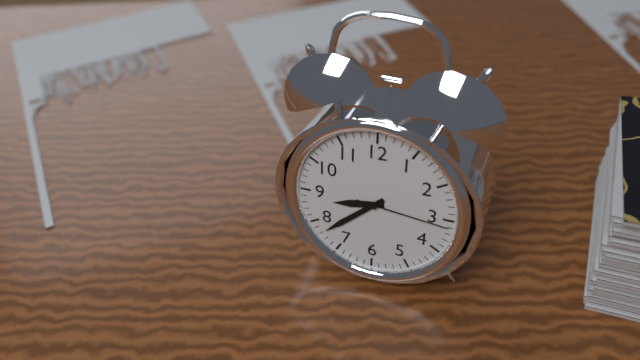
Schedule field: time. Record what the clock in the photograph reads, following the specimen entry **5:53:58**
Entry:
**8:38:16**
